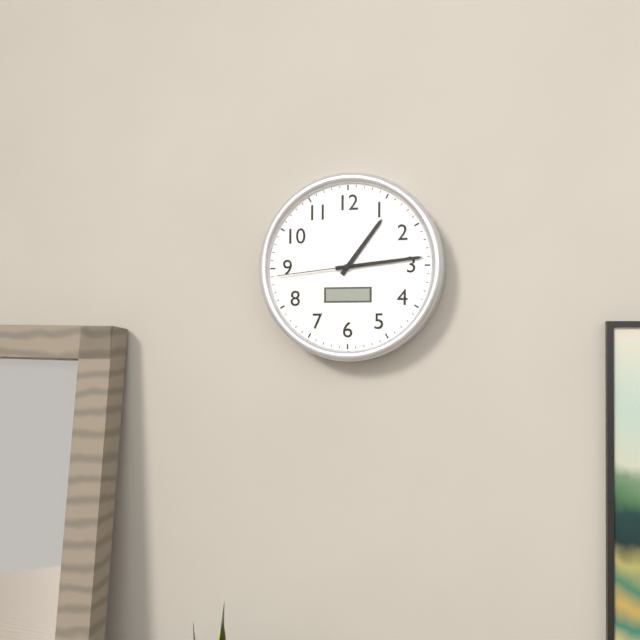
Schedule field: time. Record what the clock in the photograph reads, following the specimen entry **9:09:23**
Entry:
**1:14:44**
